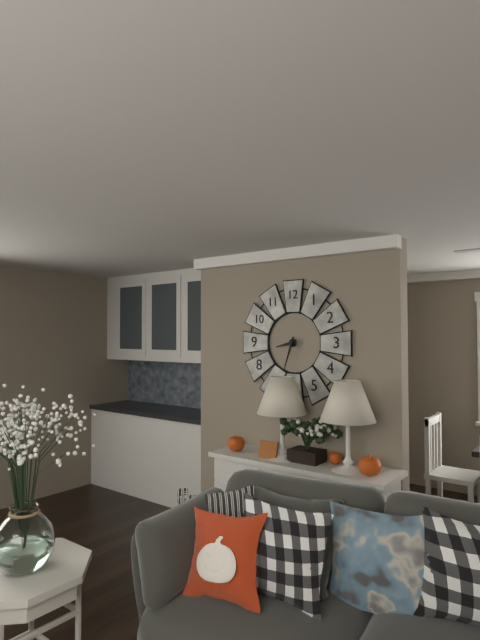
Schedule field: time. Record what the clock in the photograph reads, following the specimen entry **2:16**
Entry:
**8:33**
